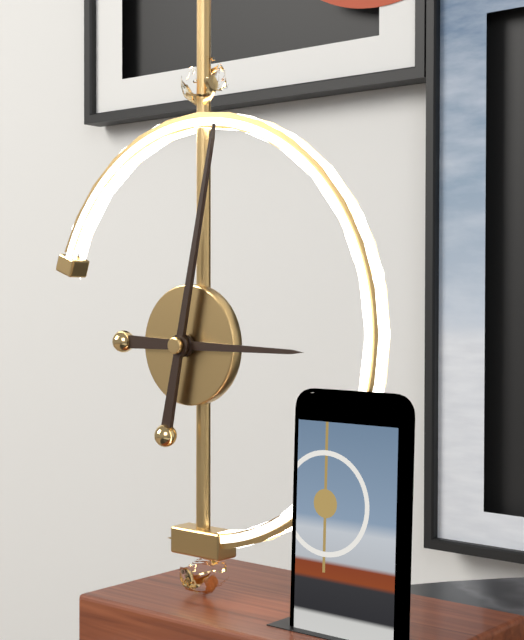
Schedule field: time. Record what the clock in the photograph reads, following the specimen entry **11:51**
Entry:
**3:02**
